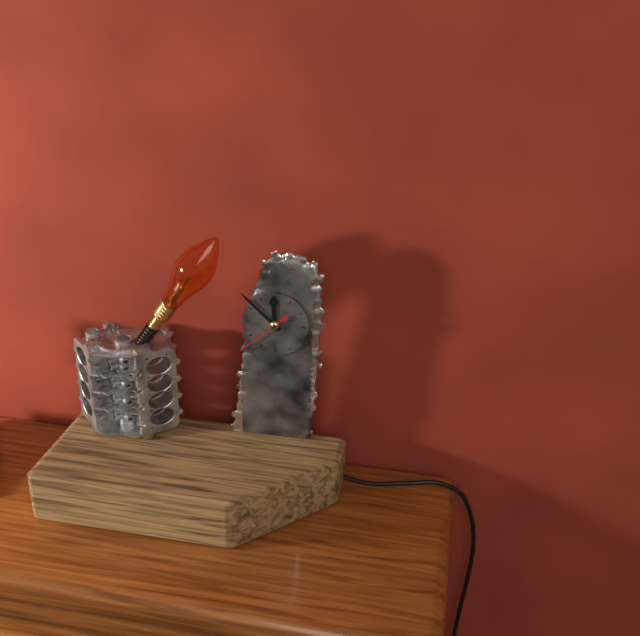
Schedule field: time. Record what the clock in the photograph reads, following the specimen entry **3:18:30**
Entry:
**11:52:38**
